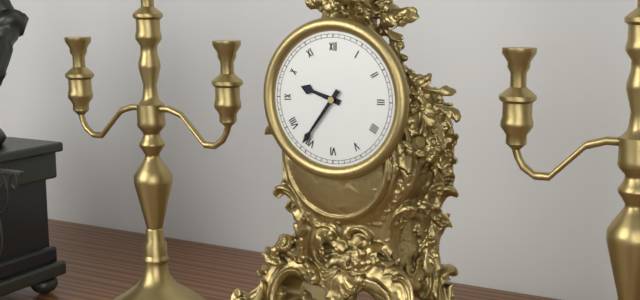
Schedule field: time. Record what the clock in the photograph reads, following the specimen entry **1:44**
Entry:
**9:36**
